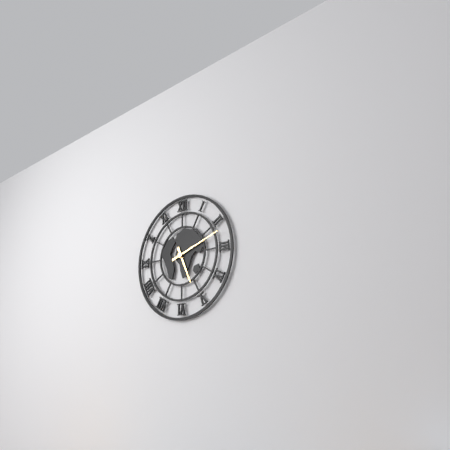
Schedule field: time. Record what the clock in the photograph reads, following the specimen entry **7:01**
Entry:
**5:12**
